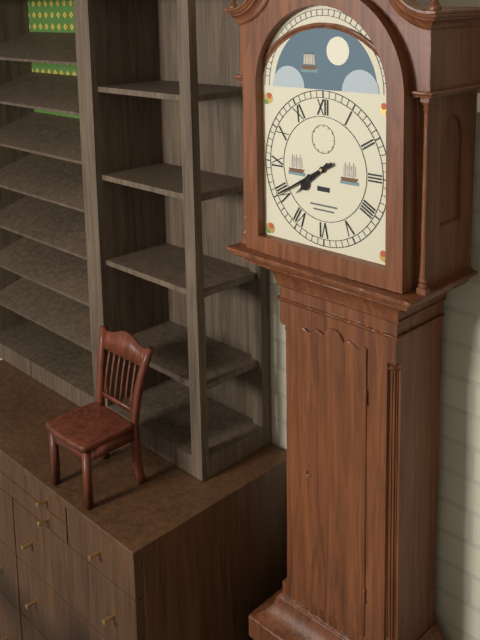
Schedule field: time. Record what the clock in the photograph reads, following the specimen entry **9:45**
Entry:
**7:40**
